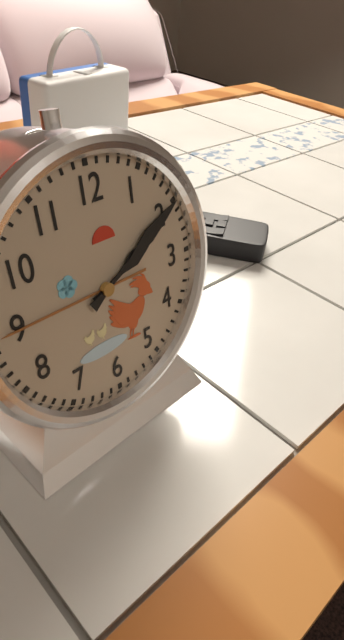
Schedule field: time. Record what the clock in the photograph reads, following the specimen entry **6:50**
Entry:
**2:10**
